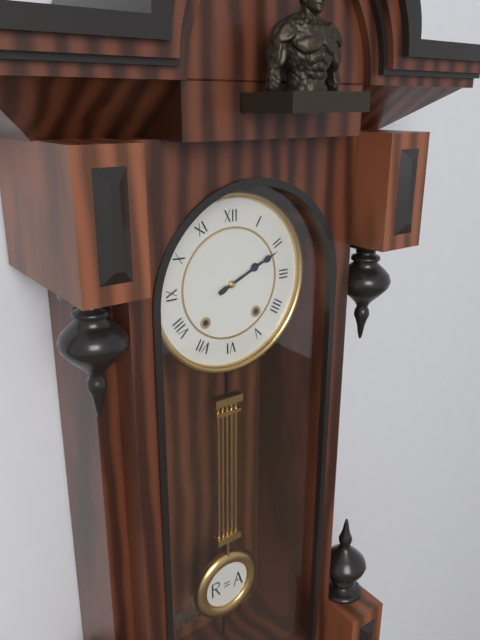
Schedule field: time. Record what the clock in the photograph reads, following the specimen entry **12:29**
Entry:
**2:11**
